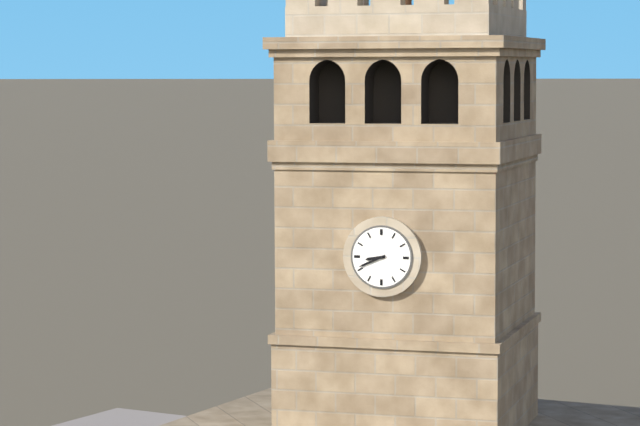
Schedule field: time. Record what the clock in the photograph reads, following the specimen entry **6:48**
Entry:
**8:41**
